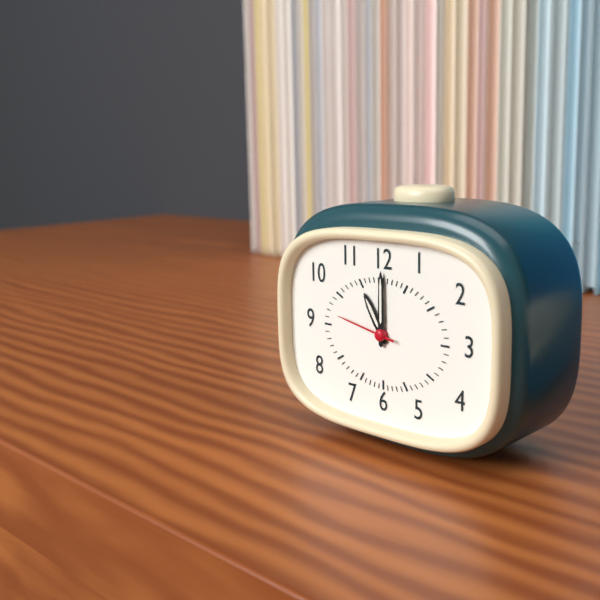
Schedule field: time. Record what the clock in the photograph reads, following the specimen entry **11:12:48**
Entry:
**11:00:47**
